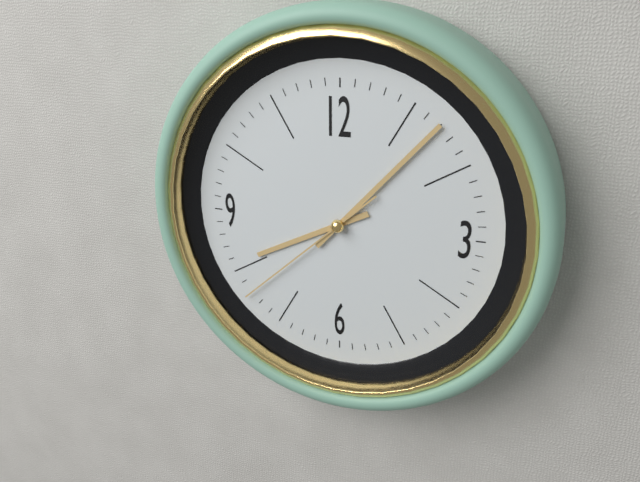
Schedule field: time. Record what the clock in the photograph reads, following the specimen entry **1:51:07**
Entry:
**8:07:38**
